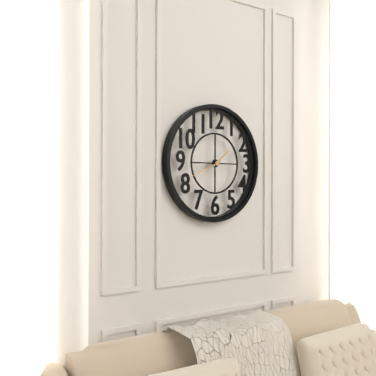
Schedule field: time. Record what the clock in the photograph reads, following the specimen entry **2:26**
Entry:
**1:41**
